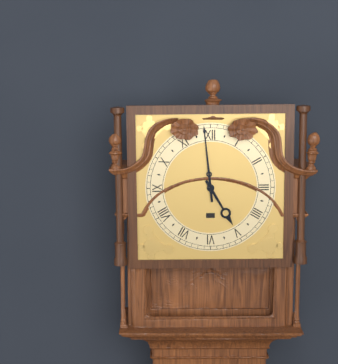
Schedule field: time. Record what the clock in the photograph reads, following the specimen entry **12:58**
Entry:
**4:59**
